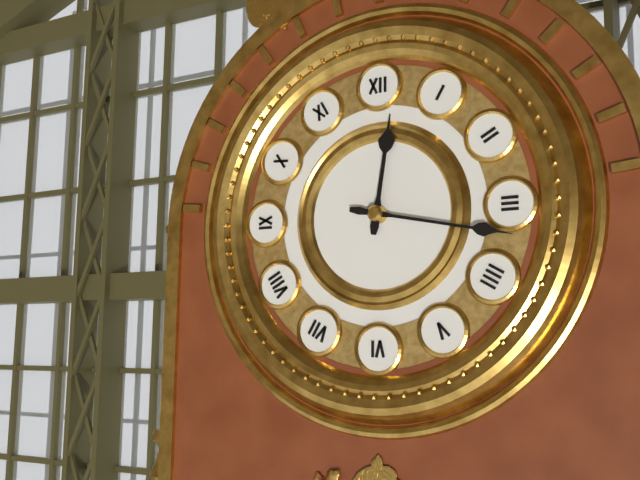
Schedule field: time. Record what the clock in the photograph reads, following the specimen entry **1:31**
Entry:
**12:17**
